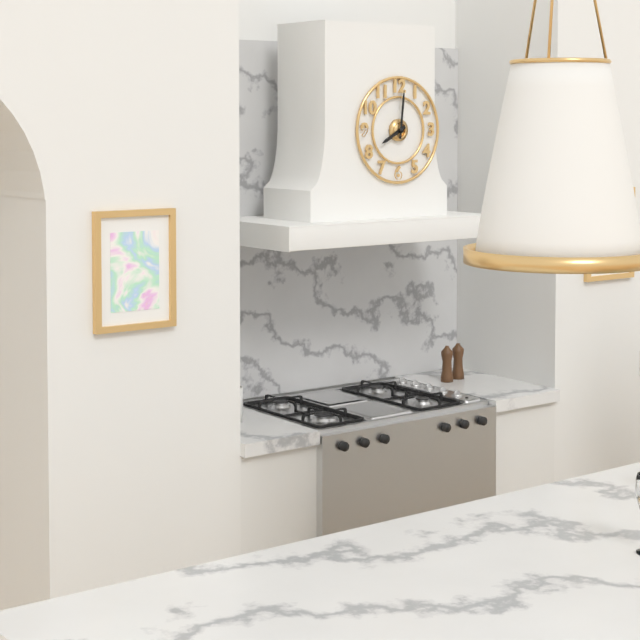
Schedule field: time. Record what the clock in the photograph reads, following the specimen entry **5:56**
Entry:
**8:01**
